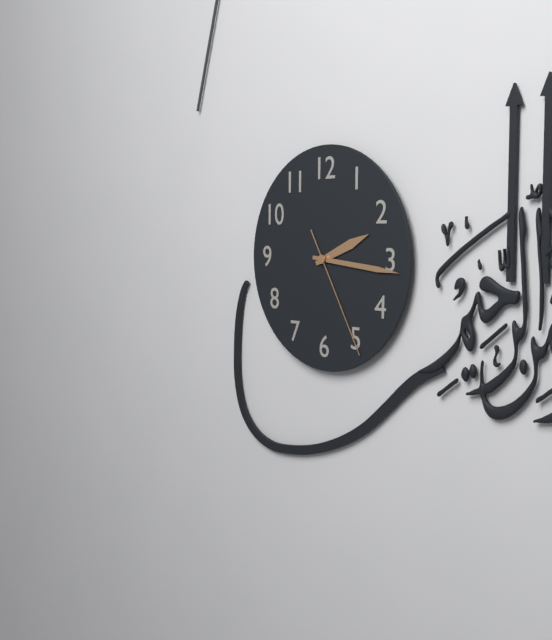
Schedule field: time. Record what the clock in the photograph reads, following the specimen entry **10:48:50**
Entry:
**2:16:25**
